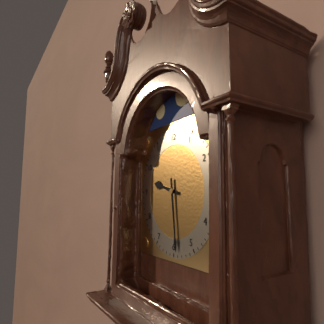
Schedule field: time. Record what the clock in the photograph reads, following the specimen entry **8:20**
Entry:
**9:29**
